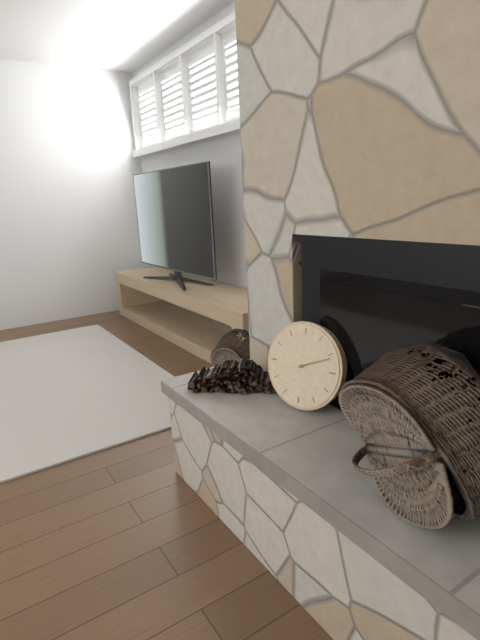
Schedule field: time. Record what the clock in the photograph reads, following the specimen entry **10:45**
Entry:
**2:11**
